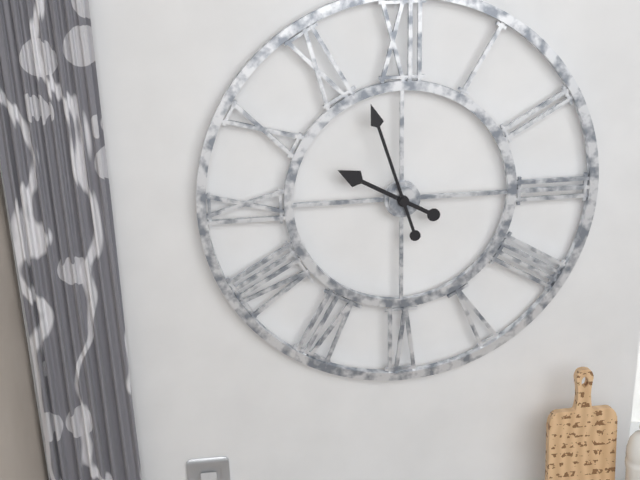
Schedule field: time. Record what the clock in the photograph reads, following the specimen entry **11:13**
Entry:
**9:57**
